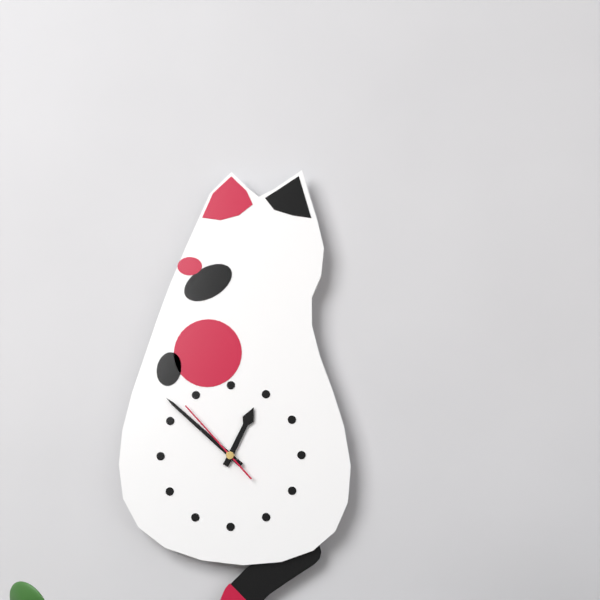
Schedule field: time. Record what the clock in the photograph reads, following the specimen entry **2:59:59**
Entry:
**12:52:53**
